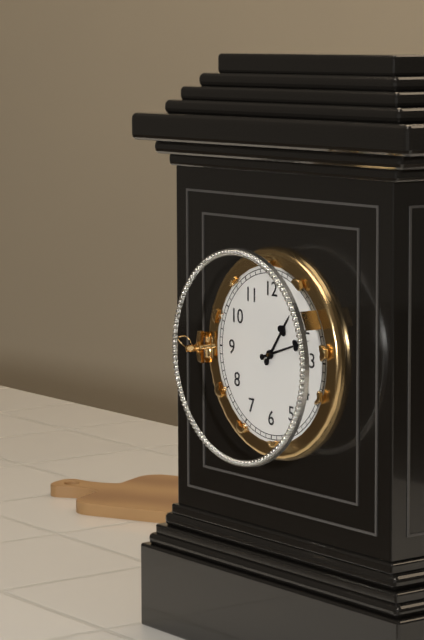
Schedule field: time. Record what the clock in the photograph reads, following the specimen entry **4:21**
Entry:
**1:12**
